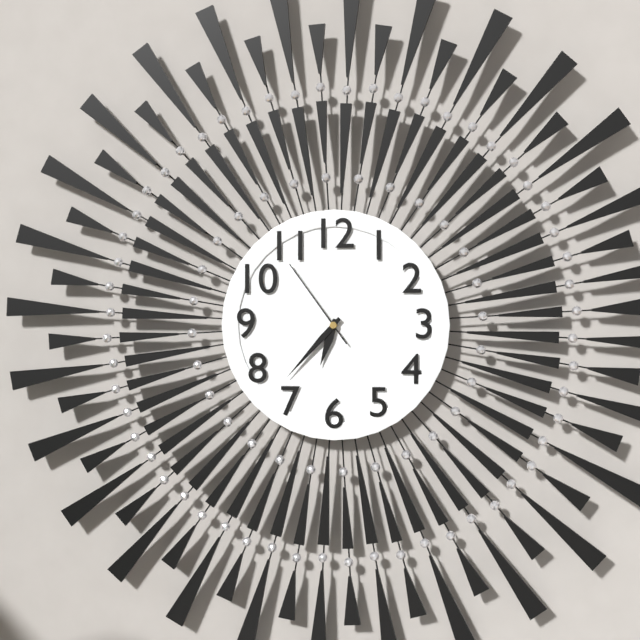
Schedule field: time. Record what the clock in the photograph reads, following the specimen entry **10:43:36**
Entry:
**6:37:54**
